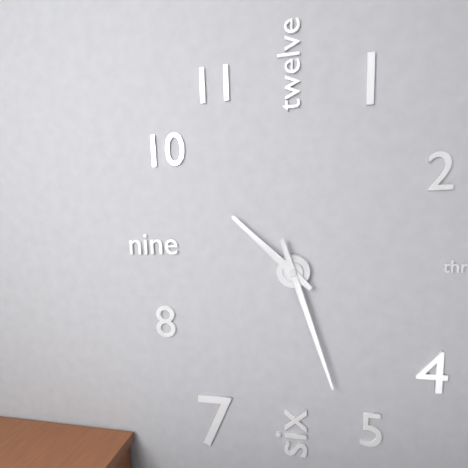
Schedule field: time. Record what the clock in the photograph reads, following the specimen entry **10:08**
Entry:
**10:27**
